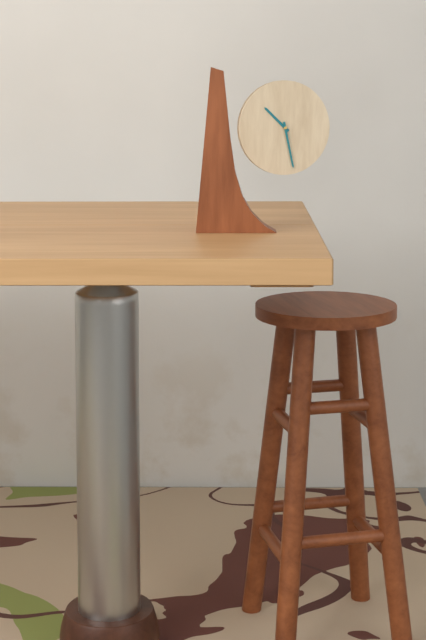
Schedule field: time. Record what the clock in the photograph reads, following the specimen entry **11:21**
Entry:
**10:28**
